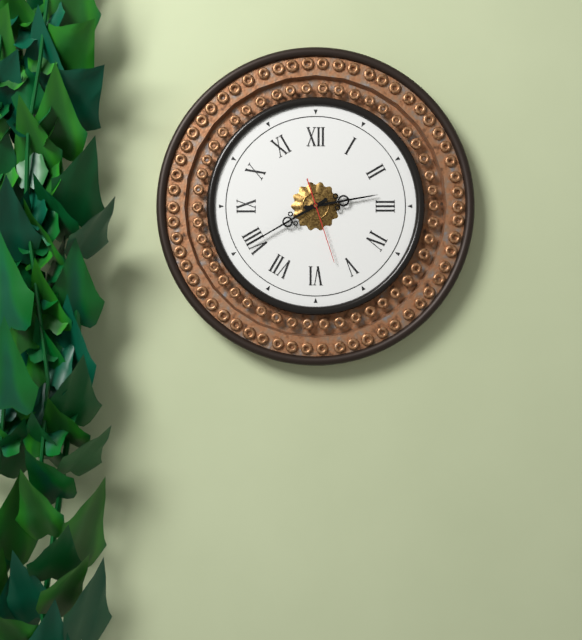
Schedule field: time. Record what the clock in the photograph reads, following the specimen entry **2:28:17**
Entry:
**2:40:27**
